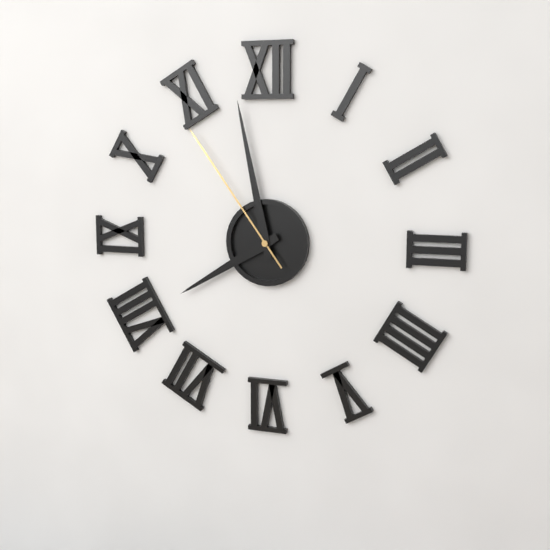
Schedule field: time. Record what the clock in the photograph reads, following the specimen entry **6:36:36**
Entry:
**7:58:54**
